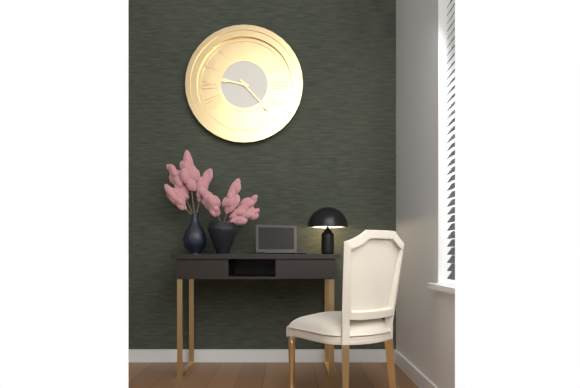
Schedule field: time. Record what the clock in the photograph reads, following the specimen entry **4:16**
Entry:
**9:23**
